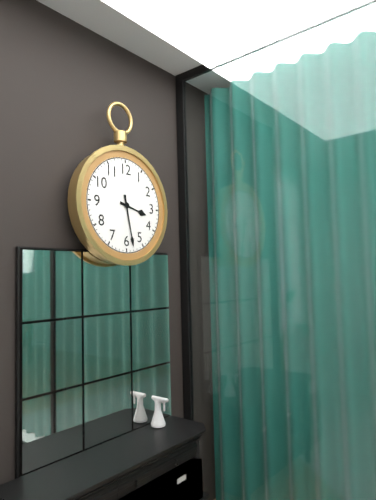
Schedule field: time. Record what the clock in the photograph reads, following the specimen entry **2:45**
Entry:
**3:28**
